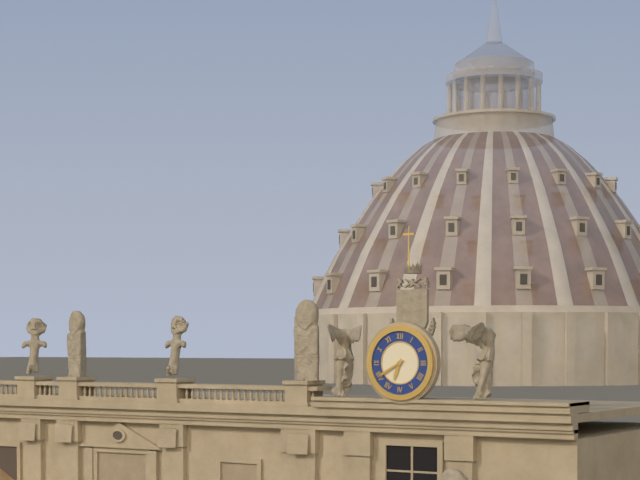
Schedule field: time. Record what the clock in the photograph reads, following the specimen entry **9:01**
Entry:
**6:40**
